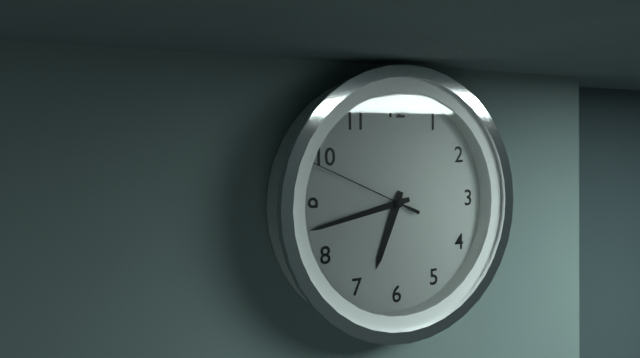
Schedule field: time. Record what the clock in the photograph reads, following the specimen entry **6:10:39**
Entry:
**6:43:49**
